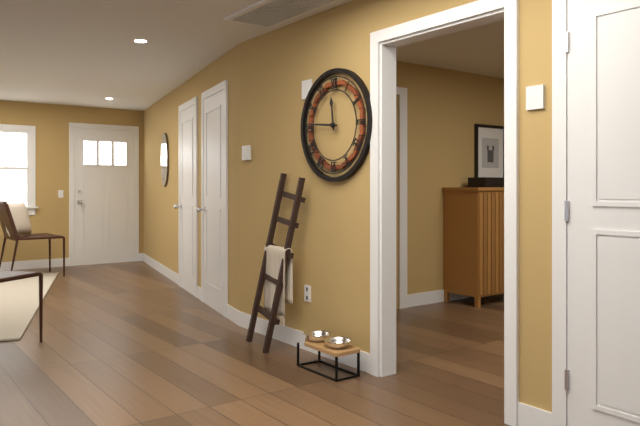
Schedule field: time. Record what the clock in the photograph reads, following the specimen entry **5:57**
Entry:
**11:46**
